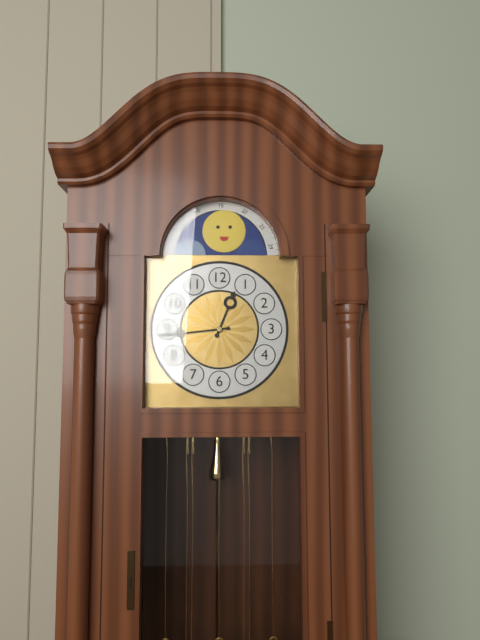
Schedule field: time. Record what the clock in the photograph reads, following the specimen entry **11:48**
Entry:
**12:44**
